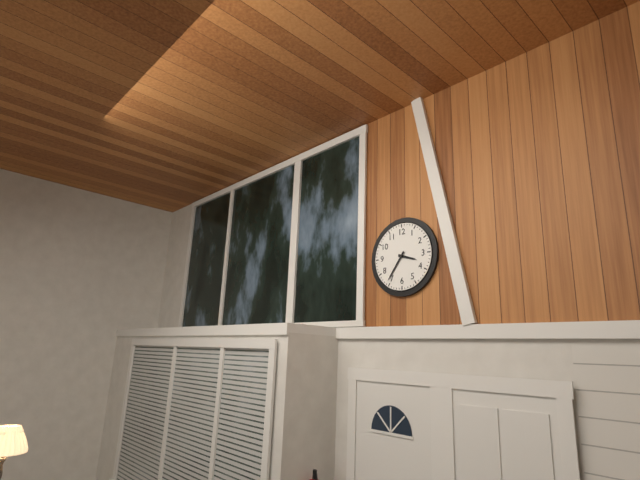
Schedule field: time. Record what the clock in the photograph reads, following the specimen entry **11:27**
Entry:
**3:36**
